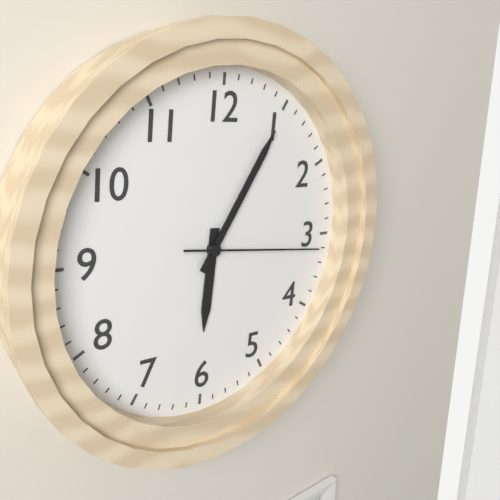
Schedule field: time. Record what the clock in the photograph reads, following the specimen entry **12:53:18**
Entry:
**6:05:16**
